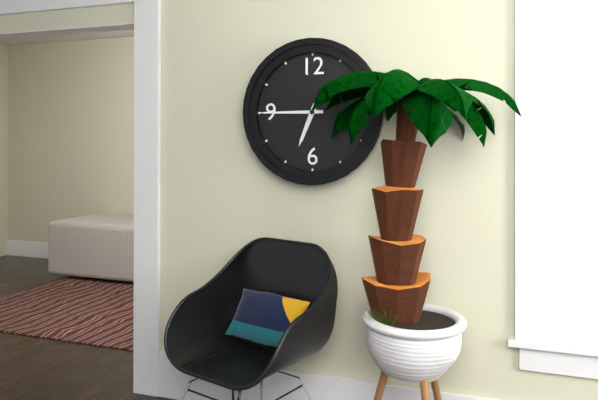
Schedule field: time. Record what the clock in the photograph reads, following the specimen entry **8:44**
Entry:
**6:45**
